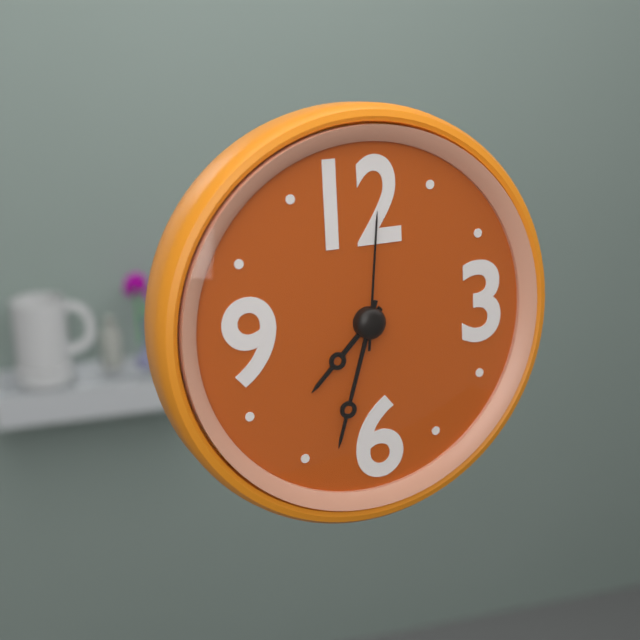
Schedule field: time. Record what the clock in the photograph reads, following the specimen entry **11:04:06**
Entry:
**7:33:01**
